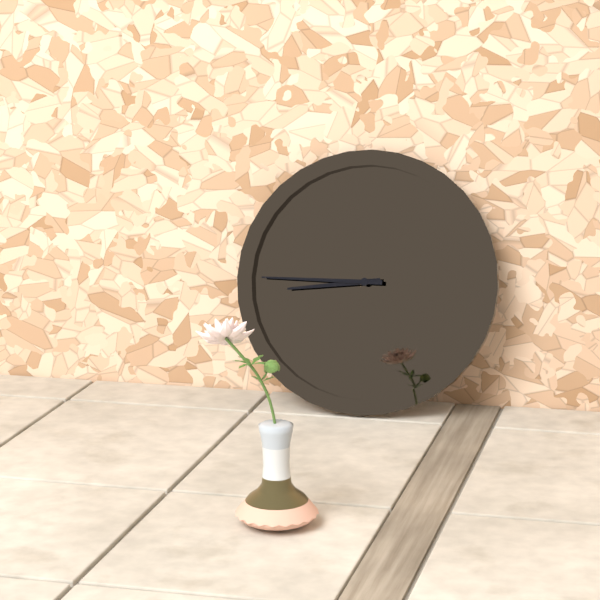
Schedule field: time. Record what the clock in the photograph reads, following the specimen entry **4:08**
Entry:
**8:45**
